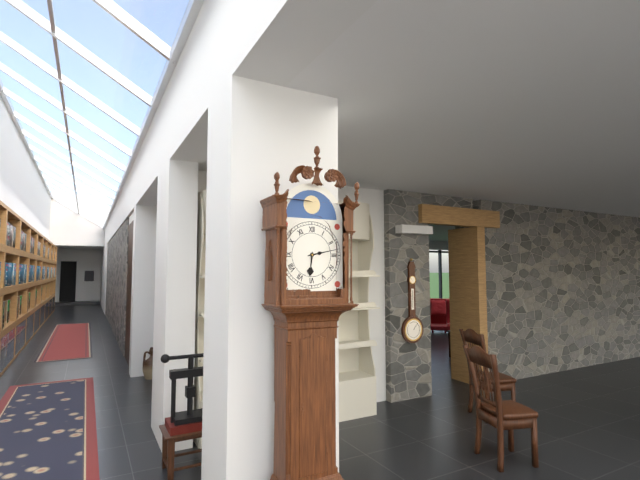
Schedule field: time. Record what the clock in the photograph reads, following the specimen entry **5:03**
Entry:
**6:13**
